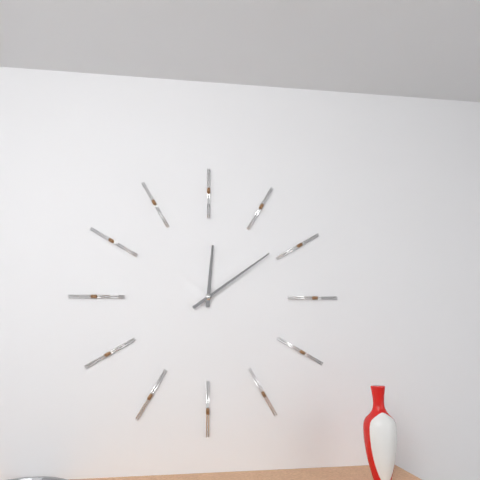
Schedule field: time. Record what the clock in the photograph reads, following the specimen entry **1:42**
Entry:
**12:09**
